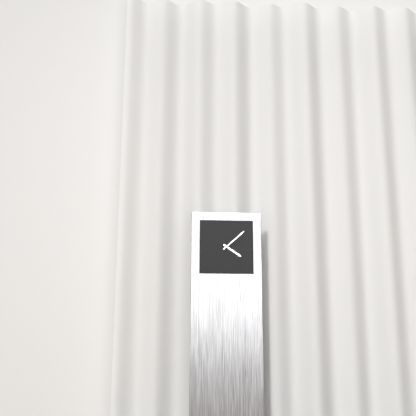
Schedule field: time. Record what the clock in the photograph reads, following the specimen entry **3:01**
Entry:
**4:08**
